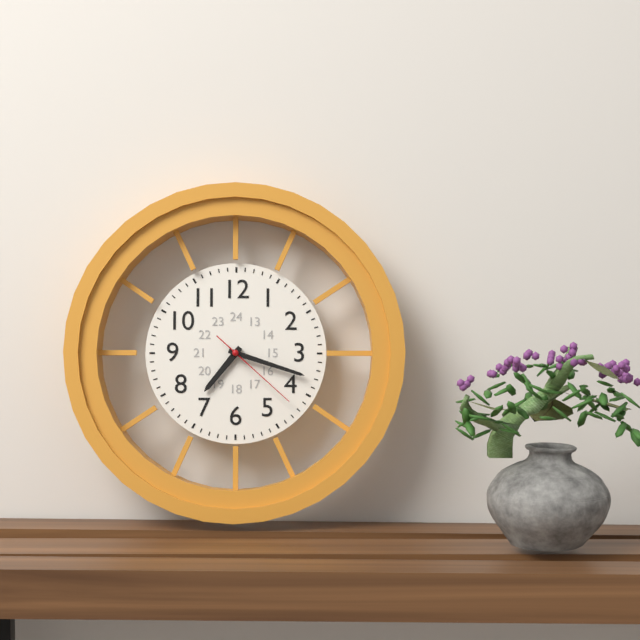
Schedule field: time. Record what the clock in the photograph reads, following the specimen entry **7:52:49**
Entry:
**7:18:22**
